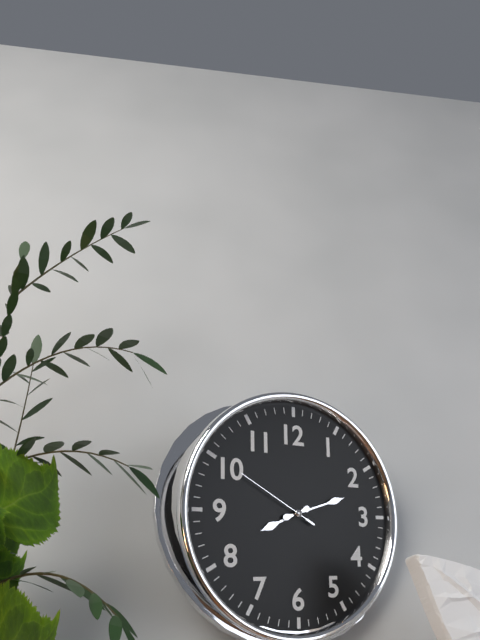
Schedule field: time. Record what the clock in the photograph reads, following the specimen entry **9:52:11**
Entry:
**8:12:50**
